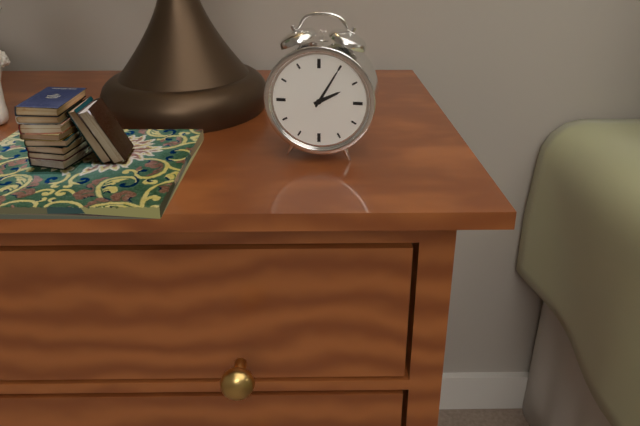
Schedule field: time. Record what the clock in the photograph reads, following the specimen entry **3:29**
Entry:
**2:05**
